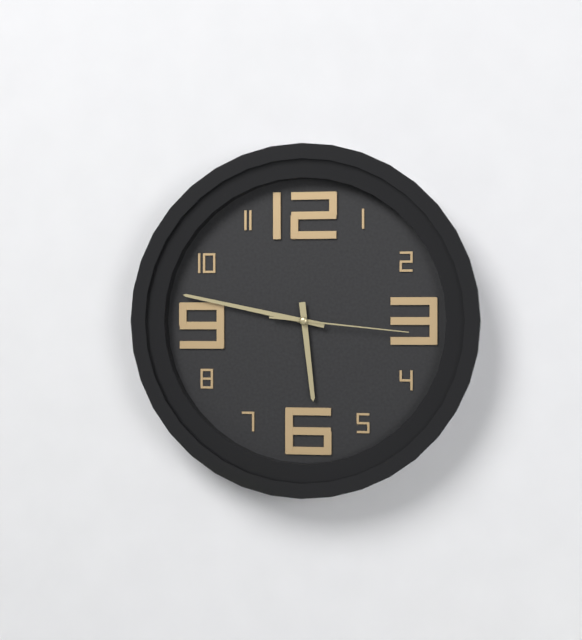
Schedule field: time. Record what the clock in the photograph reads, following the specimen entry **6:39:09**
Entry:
**5:47:16**
